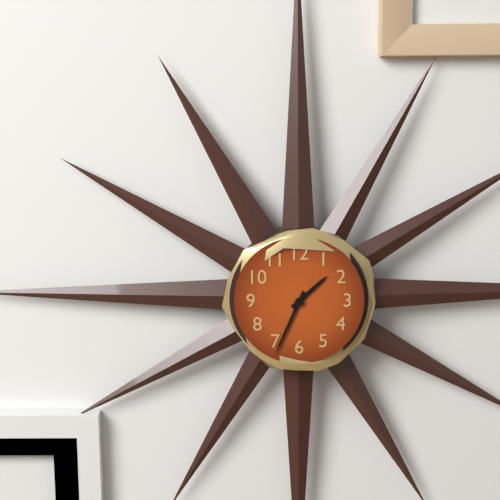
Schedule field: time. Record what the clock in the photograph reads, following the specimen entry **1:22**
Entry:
**1:34**
